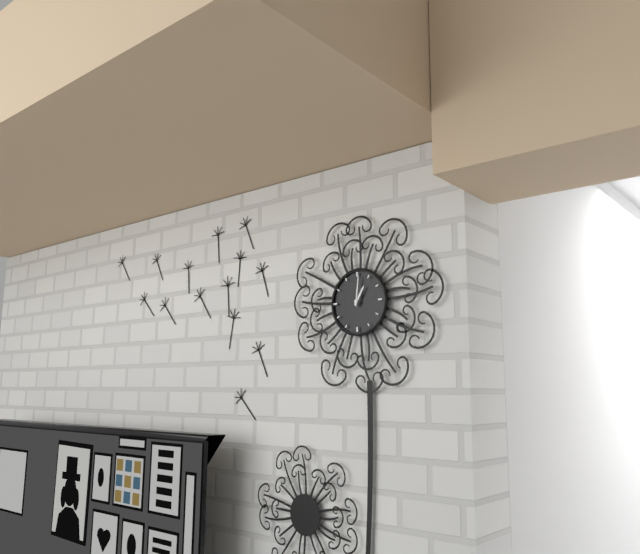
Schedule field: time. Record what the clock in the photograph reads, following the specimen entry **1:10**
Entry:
**1:01**
